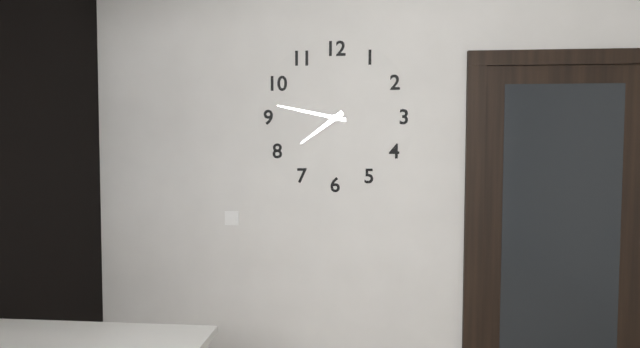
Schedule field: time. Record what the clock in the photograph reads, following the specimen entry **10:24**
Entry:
**7:47**
